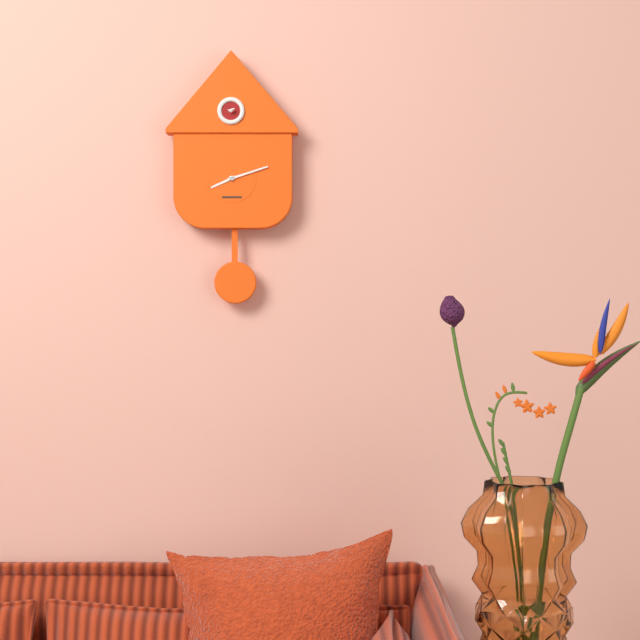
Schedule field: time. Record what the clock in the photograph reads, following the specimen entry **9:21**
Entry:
**8:12**
